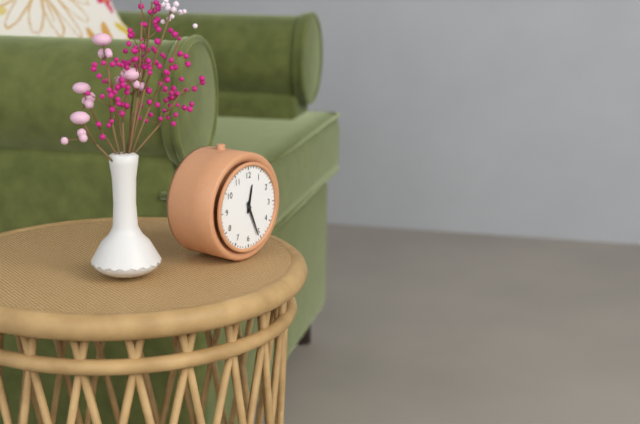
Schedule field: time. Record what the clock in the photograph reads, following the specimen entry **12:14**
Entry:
**12:26**
